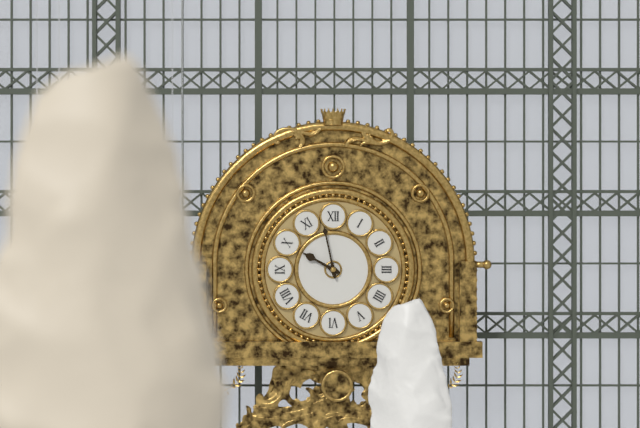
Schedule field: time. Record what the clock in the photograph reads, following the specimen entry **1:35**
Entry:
**9:58**
